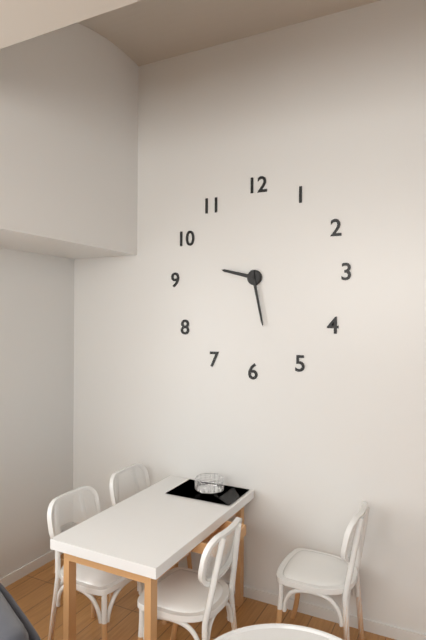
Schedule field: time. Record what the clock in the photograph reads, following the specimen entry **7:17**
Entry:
**9:28**
